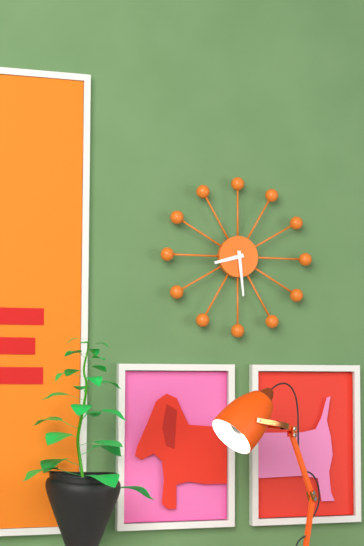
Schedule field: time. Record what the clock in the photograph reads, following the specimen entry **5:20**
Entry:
**8:29**
